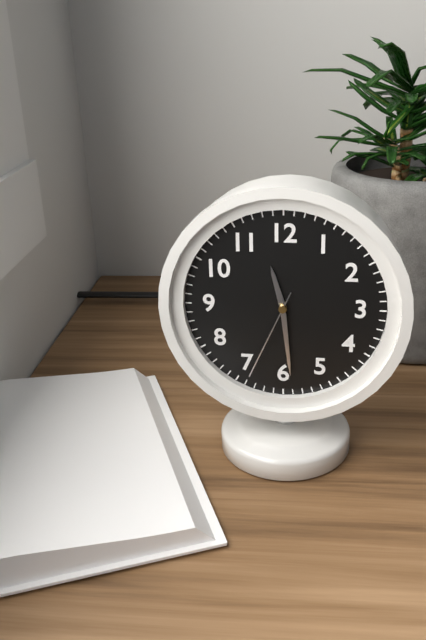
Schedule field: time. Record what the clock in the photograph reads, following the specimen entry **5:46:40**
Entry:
**11:29:34**
